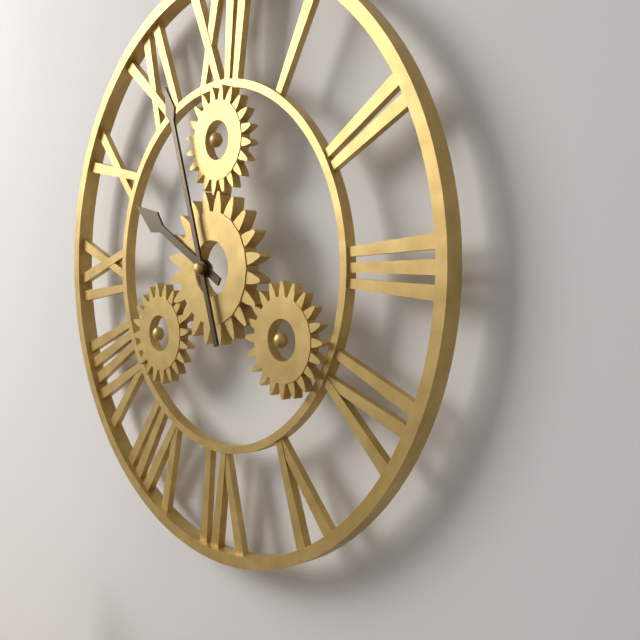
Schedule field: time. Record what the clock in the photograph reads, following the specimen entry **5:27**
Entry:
**9:57**
